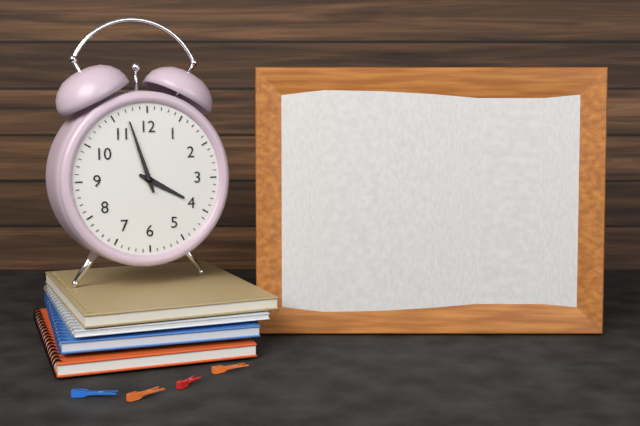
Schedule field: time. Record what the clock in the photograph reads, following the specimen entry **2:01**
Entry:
**3:57**
